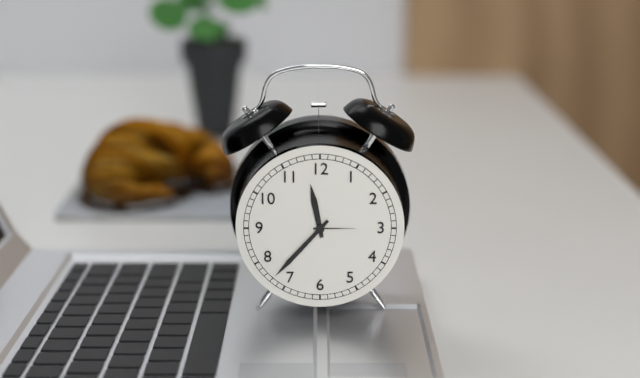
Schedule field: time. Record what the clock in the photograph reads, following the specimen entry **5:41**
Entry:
**11:37**
